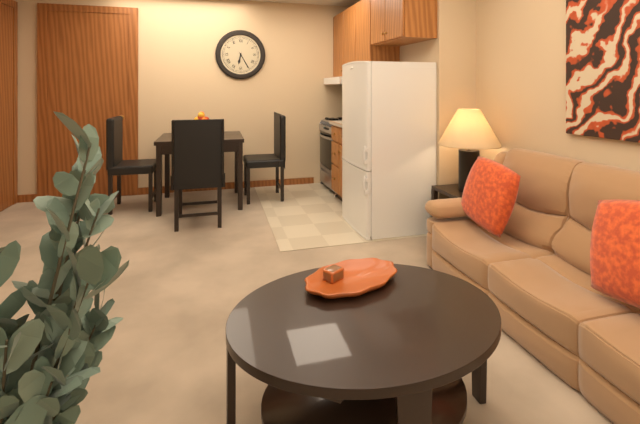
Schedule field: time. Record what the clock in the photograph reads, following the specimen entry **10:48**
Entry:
**6:25**
